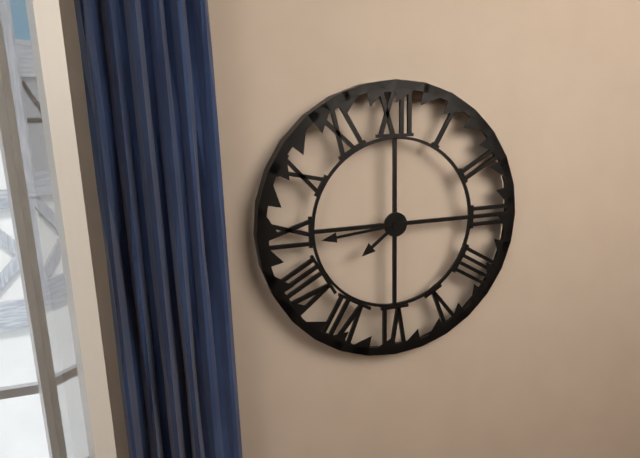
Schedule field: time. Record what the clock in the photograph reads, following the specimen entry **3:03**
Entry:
**7:44**
